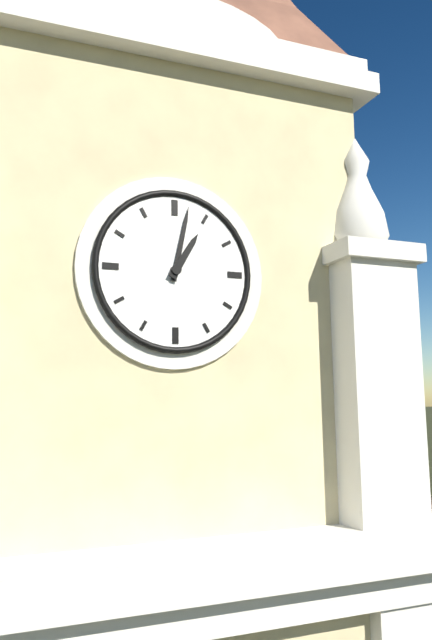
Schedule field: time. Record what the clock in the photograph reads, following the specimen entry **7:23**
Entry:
**1:02**
